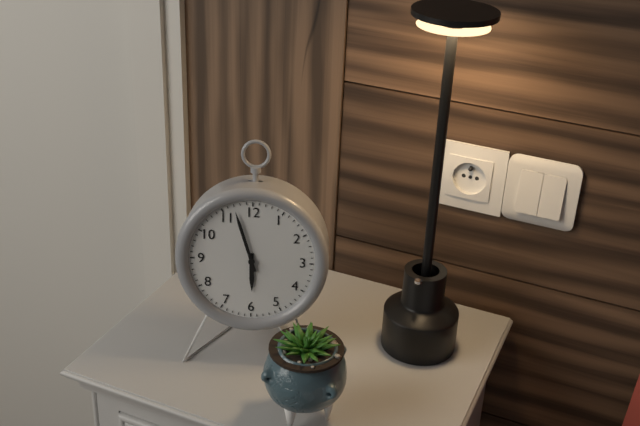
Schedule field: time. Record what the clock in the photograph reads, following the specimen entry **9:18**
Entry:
**5:57**
